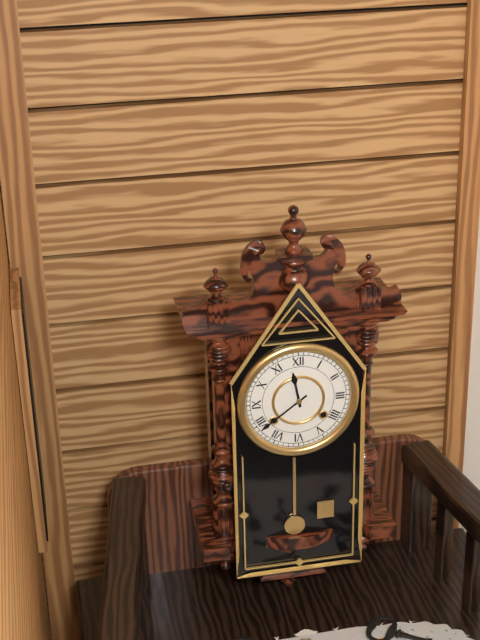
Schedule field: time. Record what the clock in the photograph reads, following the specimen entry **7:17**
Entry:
**11:39**
